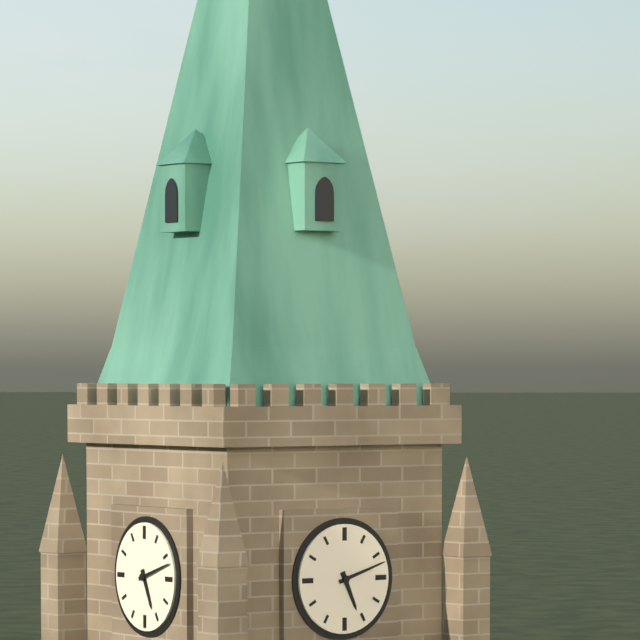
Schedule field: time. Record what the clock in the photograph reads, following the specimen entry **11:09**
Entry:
**5:12**
